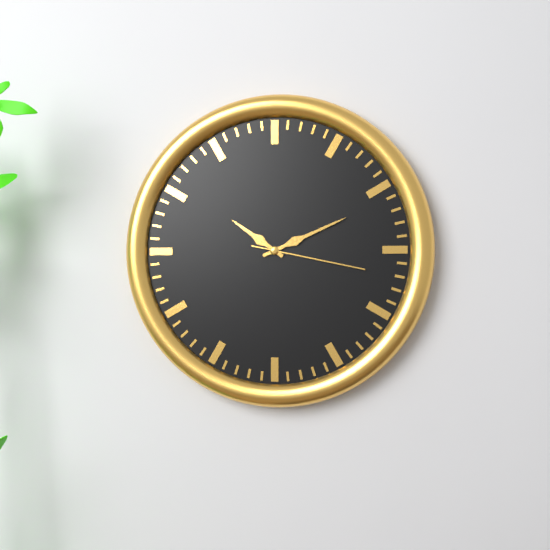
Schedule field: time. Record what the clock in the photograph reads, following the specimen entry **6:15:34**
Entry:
**10:11:17**
